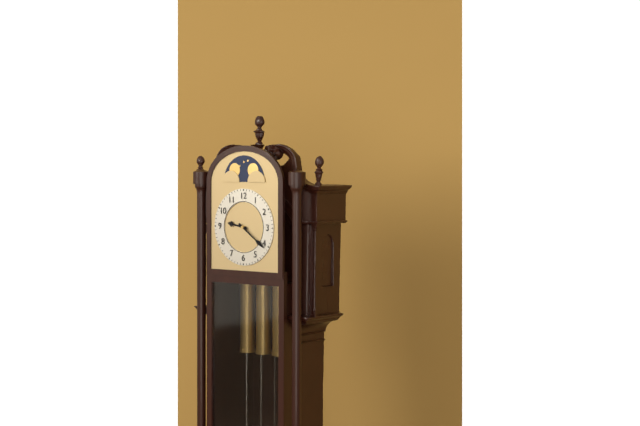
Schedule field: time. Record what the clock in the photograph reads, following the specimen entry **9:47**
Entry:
**9:21**
